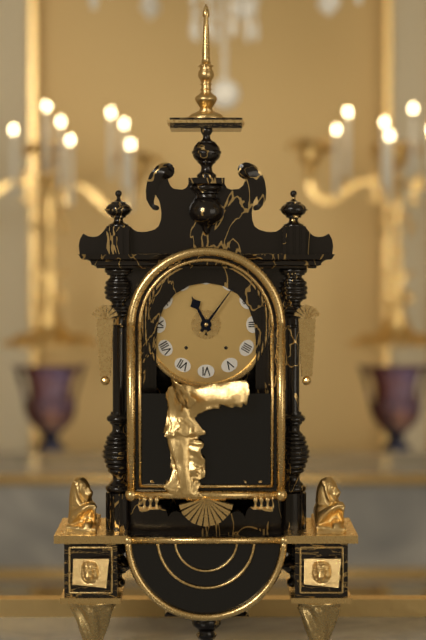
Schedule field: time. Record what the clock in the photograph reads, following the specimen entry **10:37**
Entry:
**11:06**
